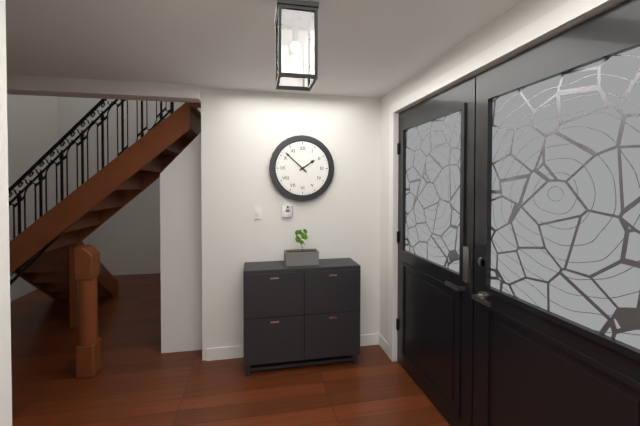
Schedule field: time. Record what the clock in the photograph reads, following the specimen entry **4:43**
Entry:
**1:52**
